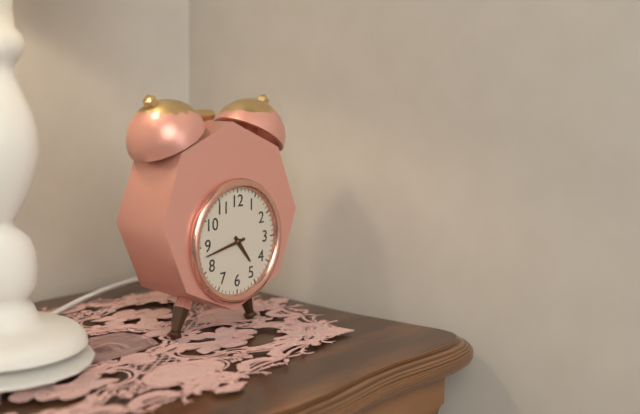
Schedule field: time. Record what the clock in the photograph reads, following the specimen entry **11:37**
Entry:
**4:43**
